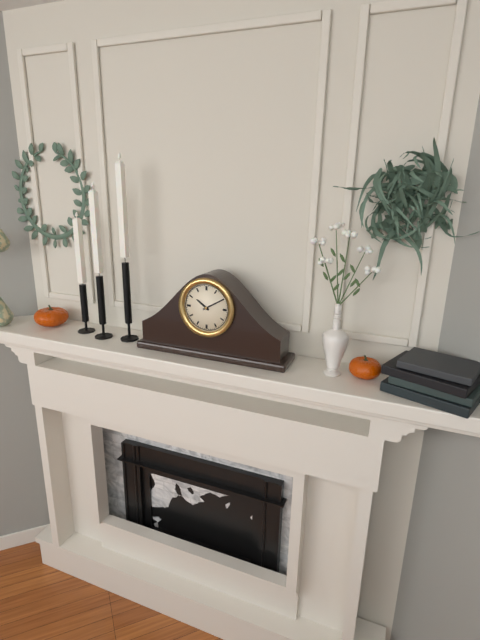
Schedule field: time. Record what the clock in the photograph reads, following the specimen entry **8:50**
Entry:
**10:10**
